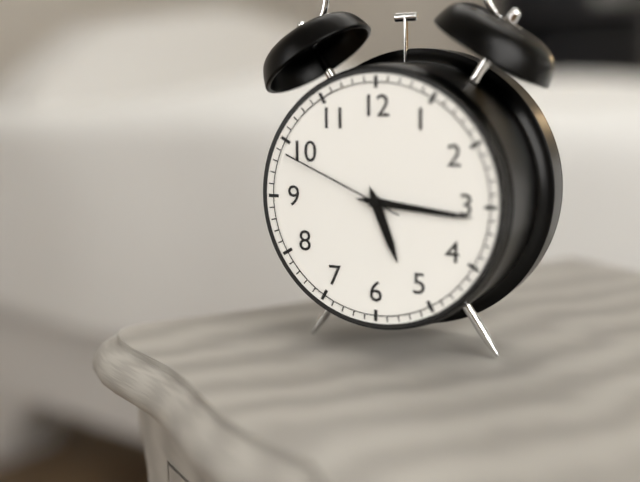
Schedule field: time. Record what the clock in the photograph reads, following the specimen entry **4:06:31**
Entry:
**5:16:49**
